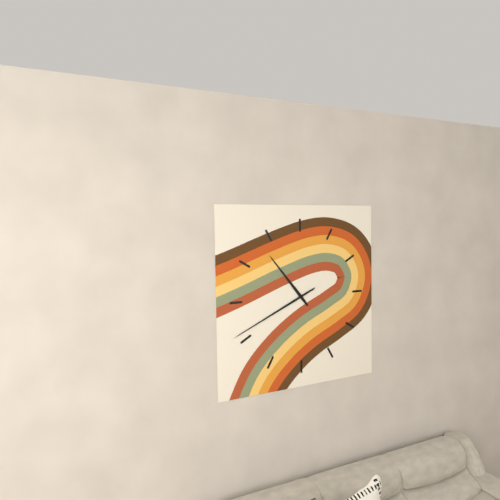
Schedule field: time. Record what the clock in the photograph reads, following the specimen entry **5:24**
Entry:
**10:41**
